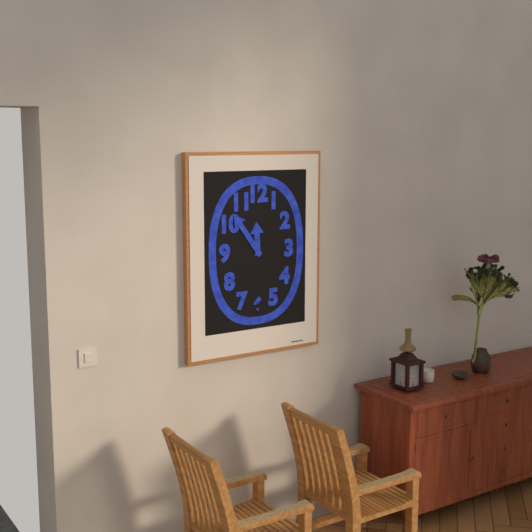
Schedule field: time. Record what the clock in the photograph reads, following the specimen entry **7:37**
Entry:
**11:54**
